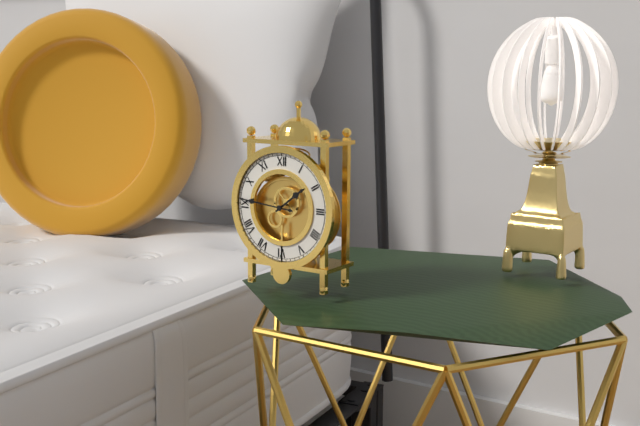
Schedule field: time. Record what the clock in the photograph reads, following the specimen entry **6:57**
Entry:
**1:46**
